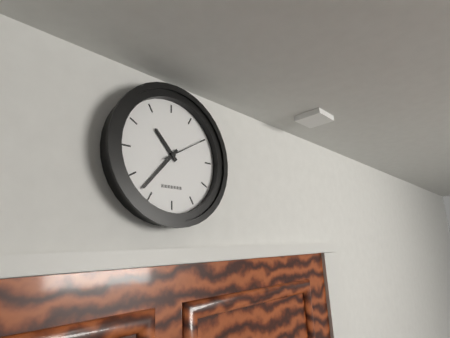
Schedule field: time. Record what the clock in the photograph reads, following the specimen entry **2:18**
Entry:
**10:37**
